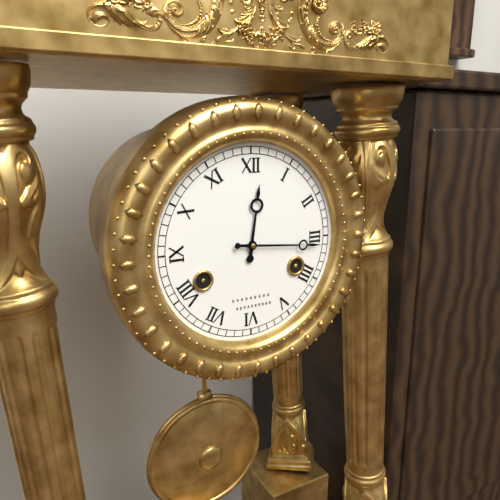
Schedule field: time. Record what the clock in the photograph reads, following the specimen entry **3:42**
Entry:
**12:16**
